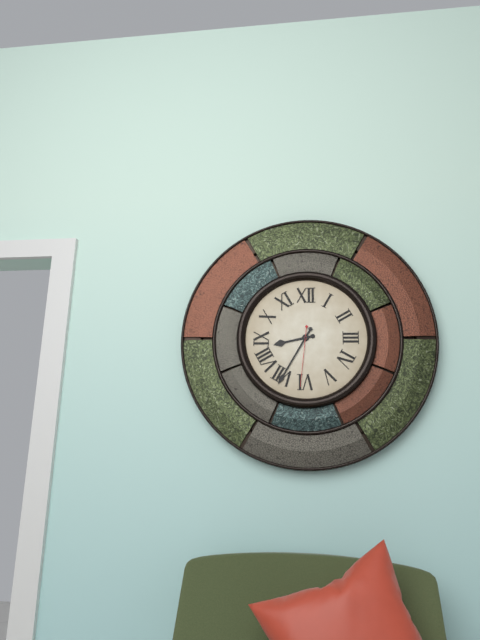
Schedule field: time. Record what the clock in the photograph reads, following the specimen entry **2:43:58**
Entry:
**8:35:31**
